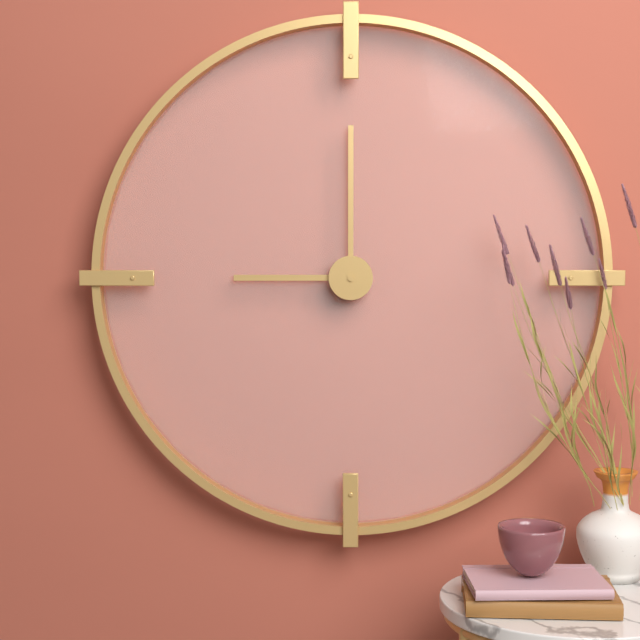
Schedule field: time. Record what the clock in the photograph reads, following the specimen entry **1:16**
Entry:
**9:00**
